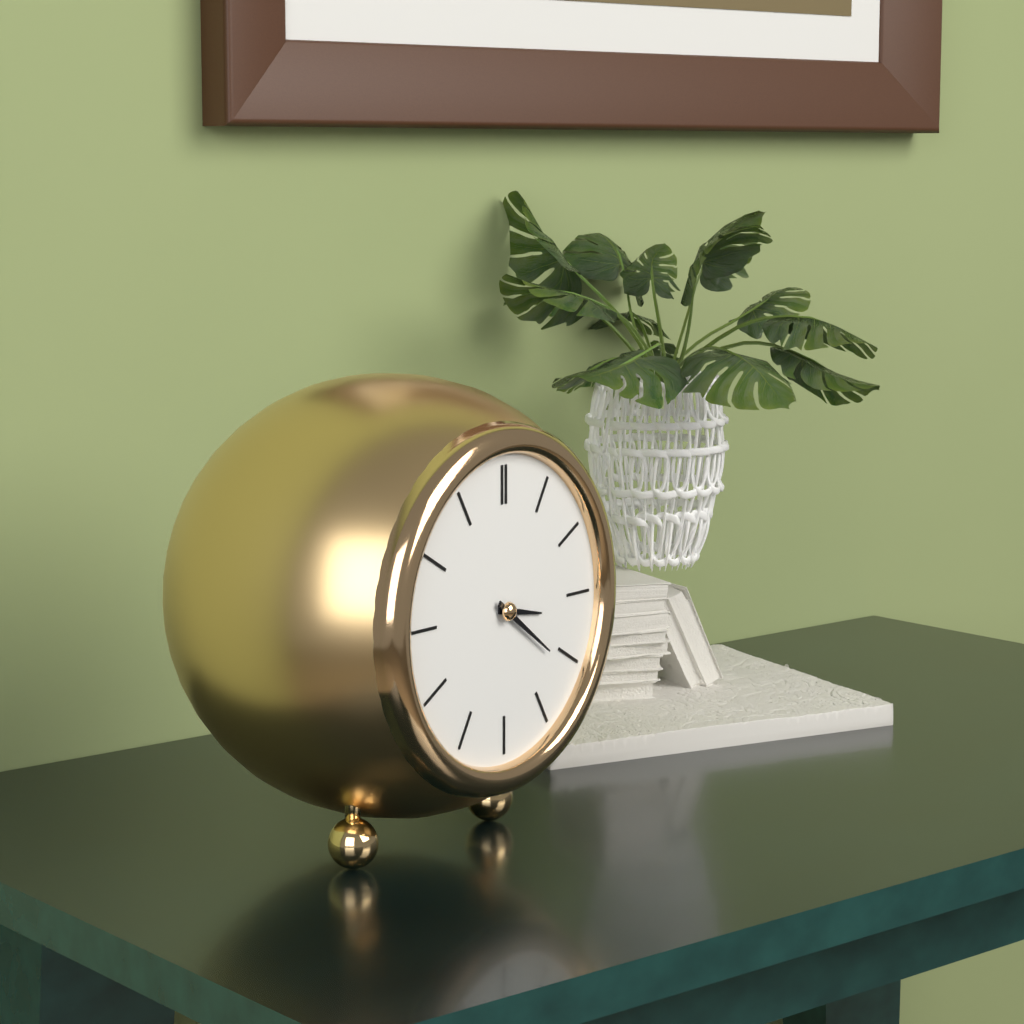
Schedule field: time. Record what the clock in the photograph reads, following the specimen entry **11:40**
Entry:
**3:21**
